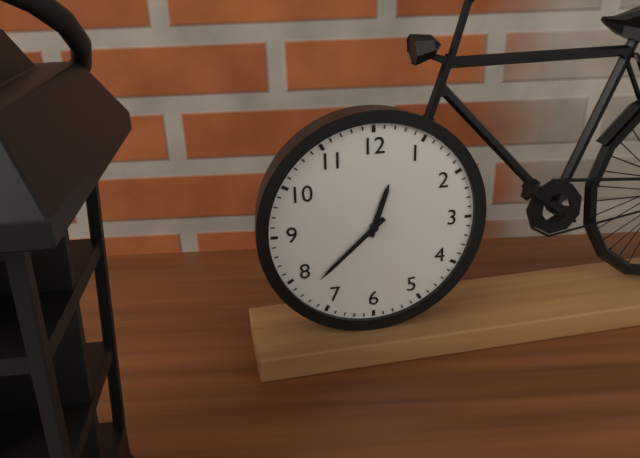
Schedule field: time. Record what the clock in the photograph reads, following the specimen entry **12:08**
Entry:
**12:38**
